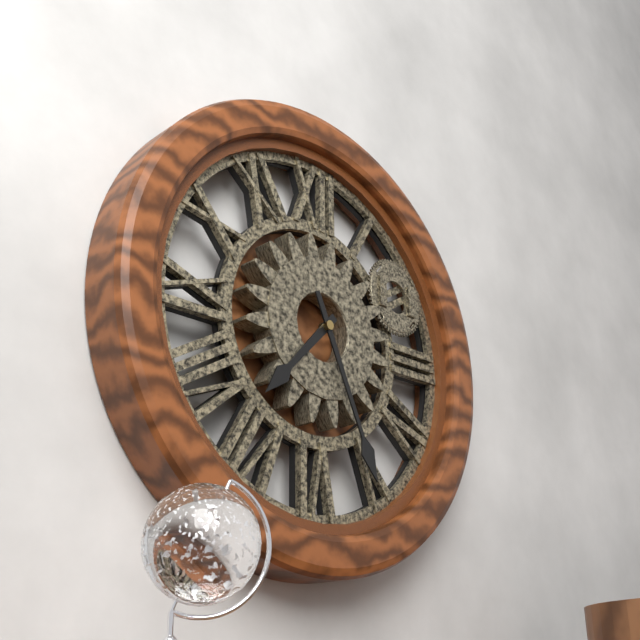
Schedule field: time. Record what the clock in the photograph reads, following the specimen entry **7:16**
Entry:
**7:26**
